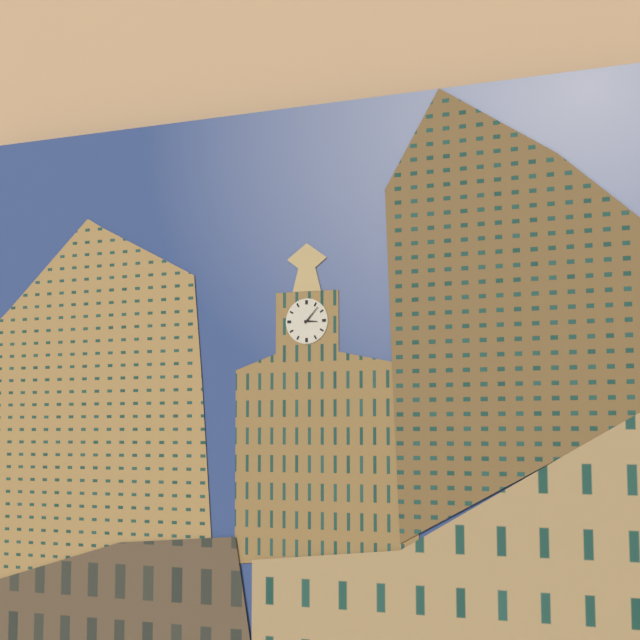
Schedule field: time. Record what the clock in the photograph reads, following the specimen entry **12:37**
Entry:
**3:07**
